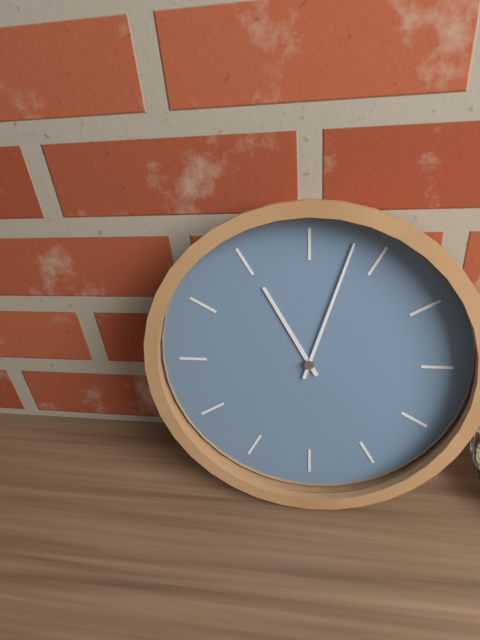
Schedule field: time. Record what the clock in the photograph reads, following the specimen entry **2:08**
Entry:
**11:03**
